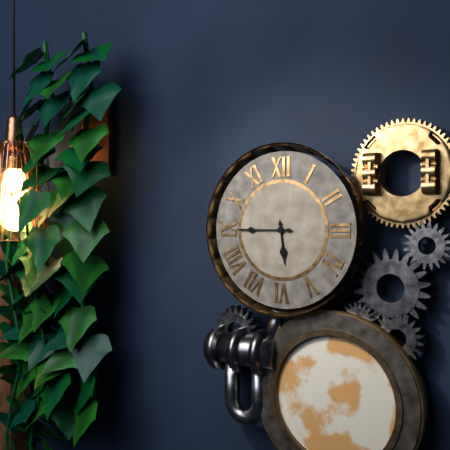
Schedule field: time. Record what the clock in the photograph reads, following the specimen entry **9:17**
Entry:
**5:45**
